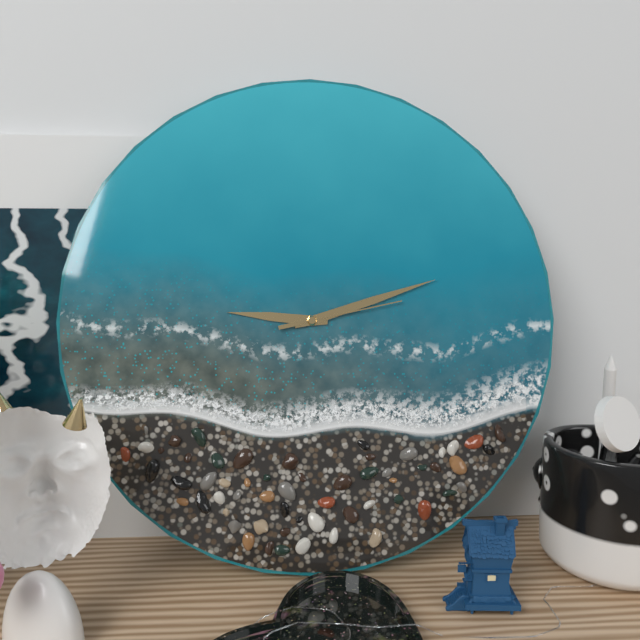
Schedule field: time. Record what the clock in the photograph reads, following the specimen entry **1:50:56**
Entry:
**9:12:13**
